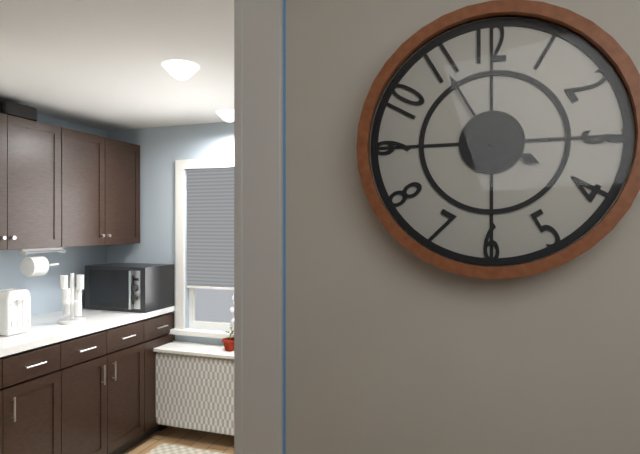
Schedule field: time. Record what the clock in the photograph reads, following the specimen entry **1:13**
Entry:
**3:55**
